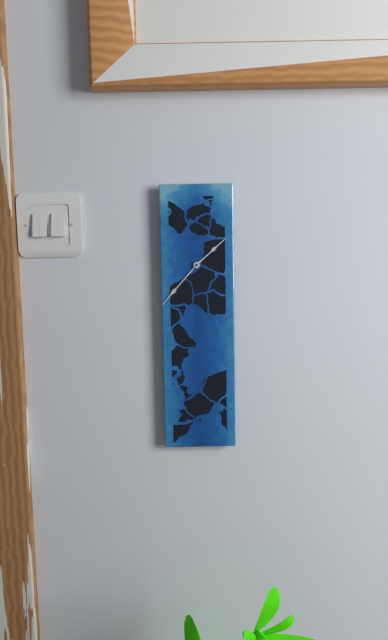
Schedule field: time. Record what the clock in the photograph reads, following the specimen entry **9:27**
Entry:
**1:37**
